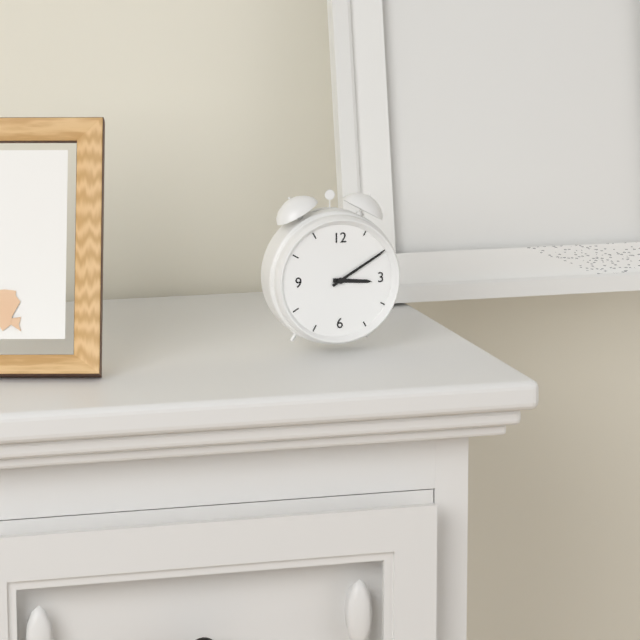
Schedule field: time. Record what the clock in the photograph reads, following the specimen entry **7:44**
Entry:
**3:10**
